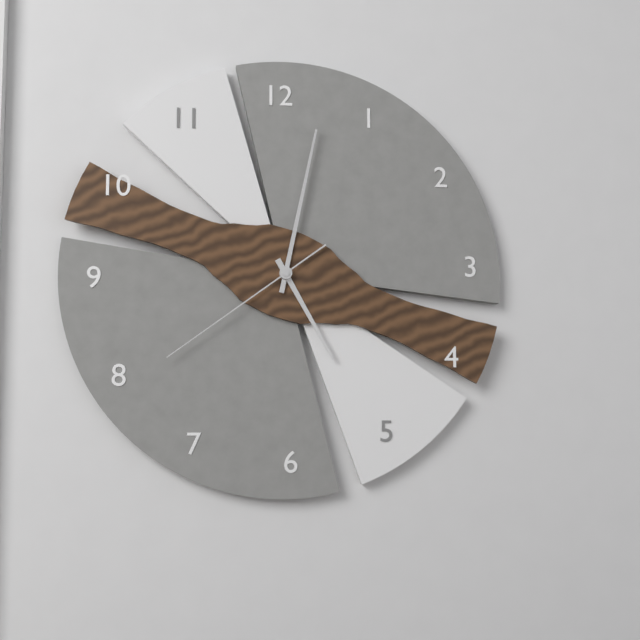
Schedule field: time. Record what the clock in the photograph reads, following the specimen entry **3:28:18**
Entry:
**5:02:39**
